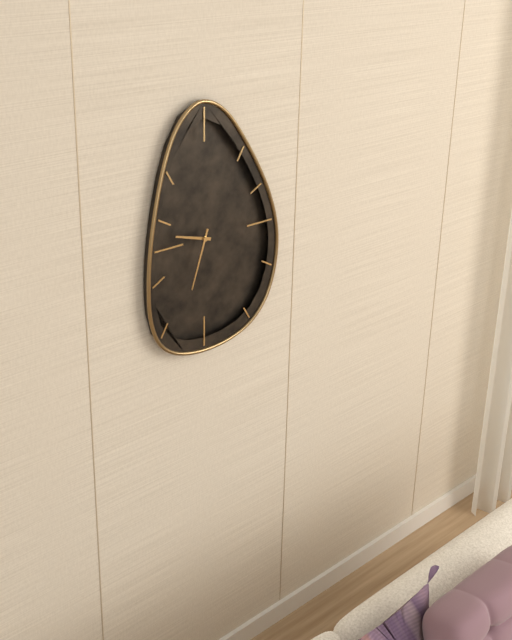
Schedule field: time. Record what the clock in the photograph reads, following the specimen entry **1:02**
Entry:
**9:33**
